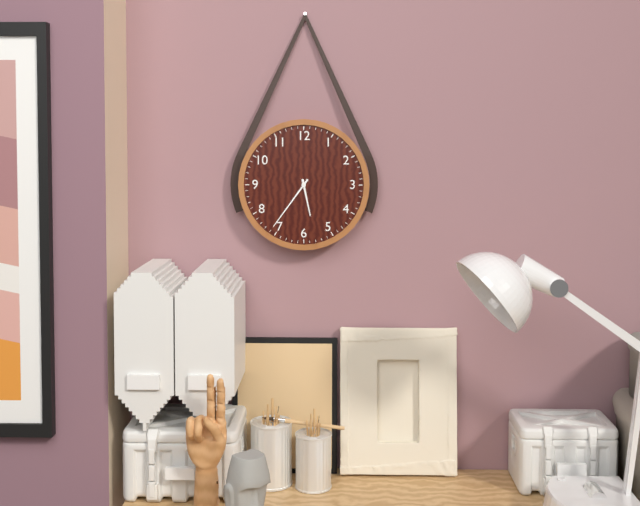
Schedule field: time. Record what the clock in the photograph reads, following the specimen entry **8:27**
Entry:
**5:36**
